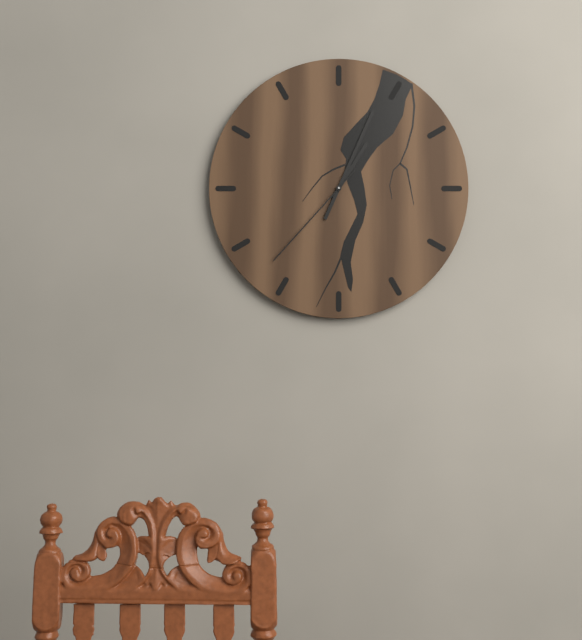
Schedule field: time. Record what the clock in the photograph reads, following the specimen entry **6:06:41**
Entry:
**1:04:37**
